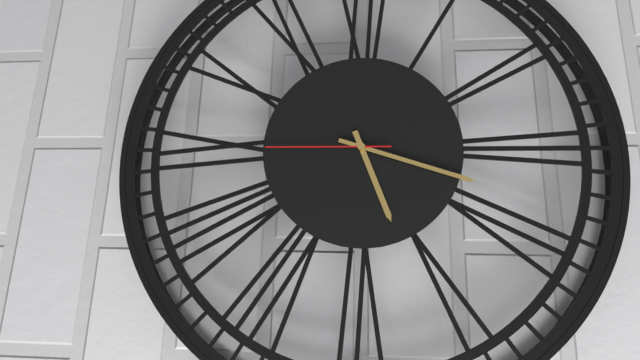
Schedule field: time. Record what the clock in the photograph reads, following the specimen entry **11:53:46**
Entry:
**5:18:45**
